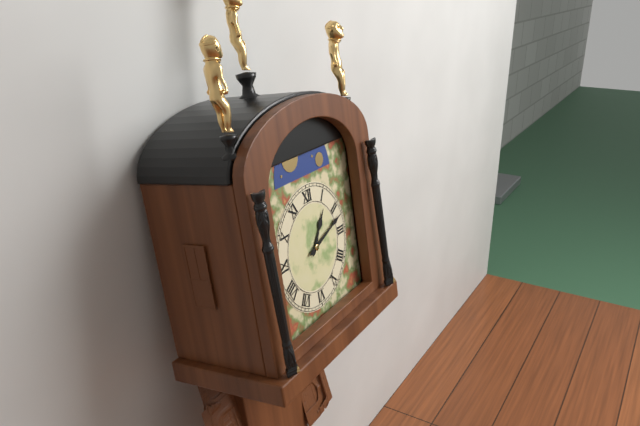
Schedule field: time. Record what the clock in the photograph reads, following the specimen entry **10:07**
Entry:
**1:12**
